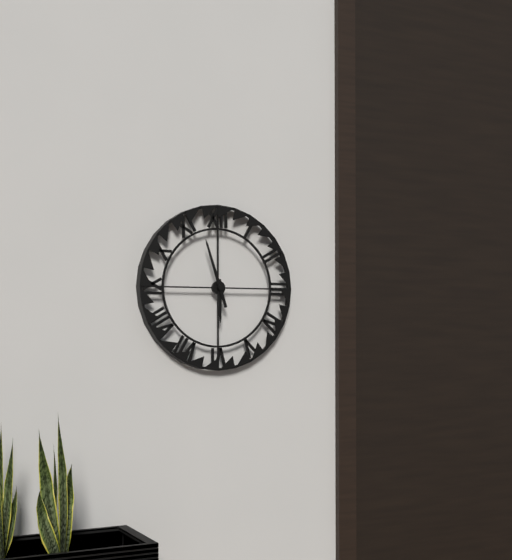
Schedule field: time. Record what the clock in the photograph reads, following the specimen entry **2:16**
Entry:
**5:57**
